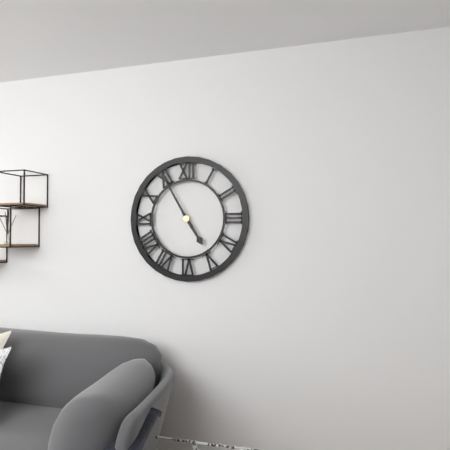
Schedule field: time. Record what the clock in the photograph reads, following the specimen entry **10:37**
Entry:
**4:55**
